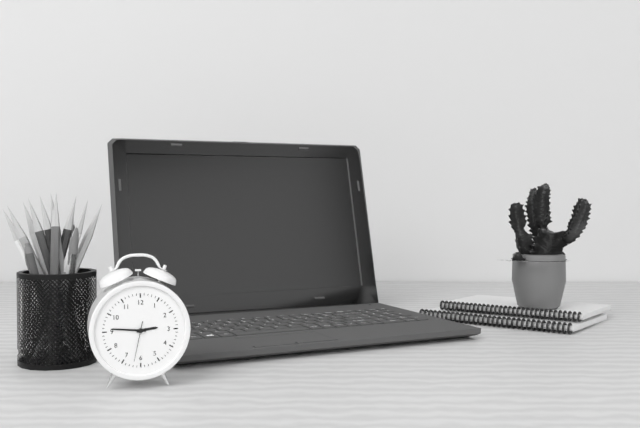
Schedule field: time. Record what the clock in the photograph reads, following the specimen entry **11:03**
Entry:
**2:46**
